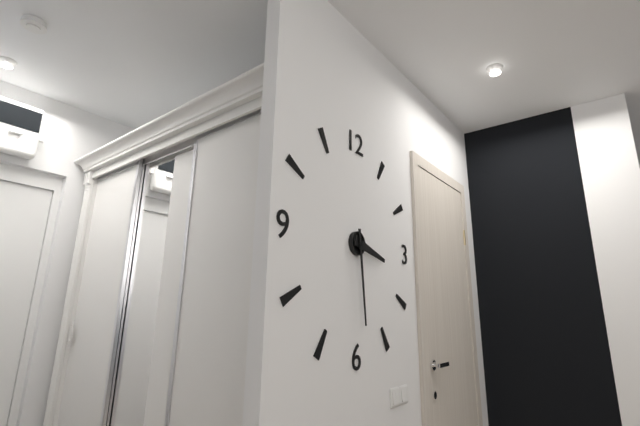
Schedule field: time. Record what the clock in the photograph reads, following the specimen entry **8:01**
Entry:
**3:29**
